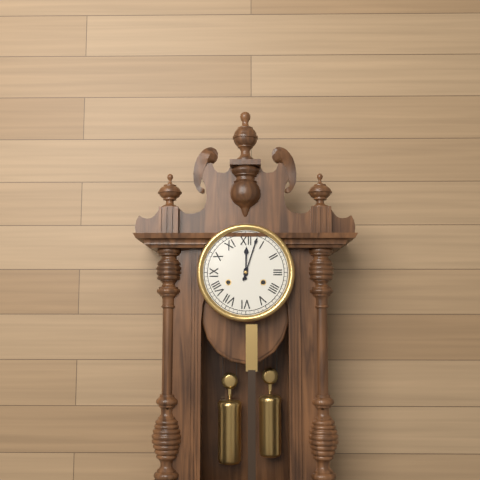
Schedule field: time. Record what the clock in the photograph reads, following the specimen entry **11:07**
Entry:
**12:03**
